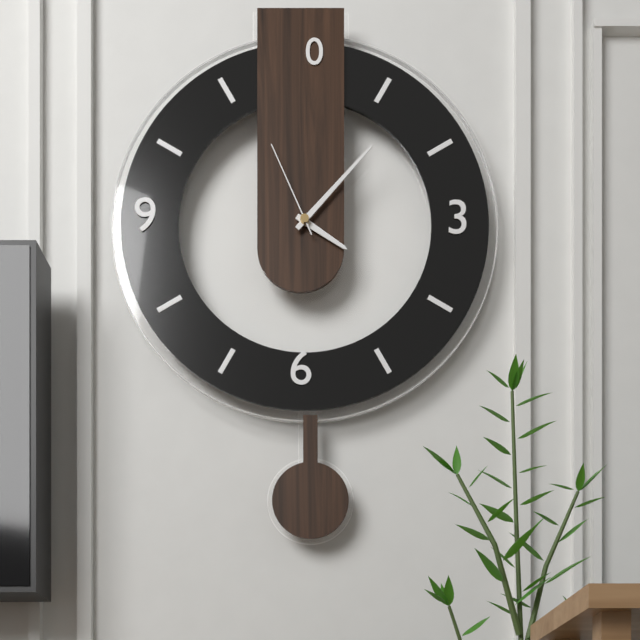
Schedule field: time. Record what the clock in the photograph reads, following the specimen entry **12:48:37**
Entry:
**4:07:56**
